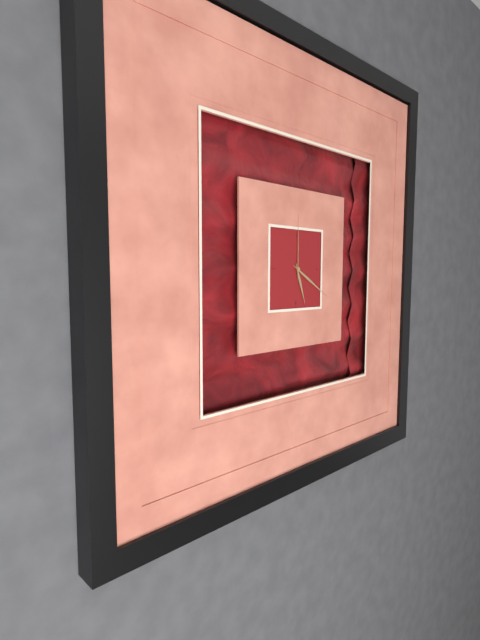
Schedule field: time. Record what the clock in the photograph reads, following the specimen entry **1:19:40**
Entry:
**5:20:00**
